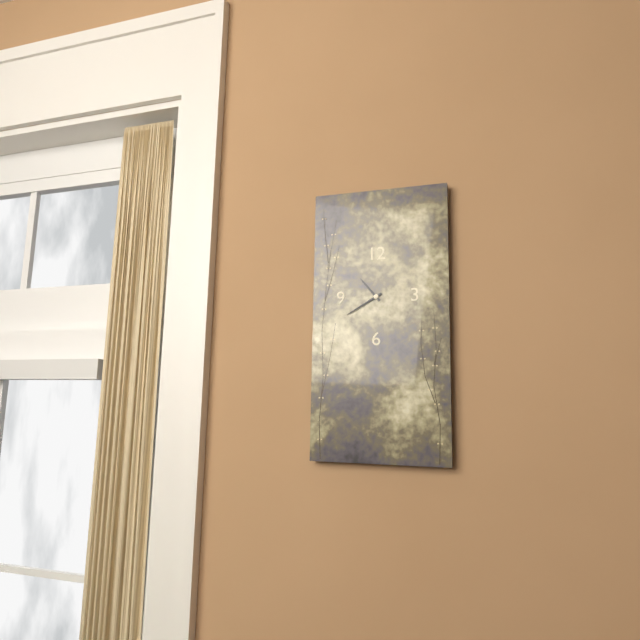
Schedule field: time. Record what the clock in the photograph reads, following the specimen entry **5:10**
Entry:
**10:40**
